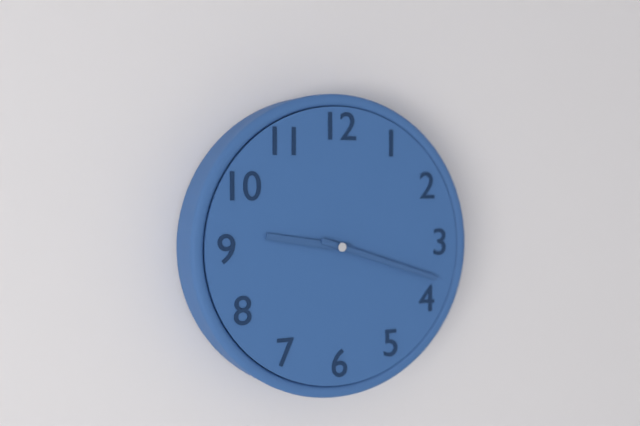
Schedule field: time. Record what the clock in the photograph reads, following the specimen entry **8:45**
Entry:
**9:18**
